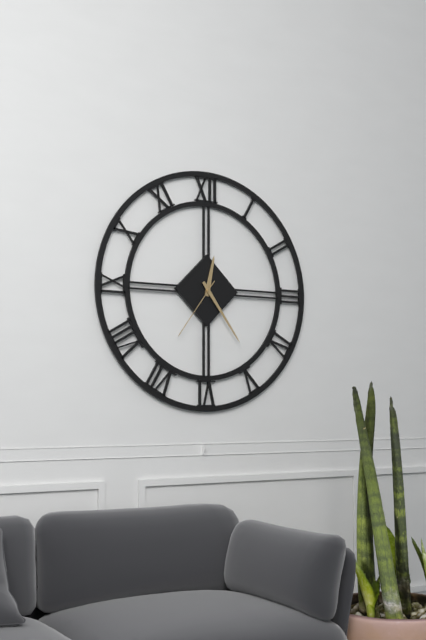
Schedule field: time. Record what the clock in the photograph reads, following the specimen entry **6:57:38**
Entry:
**12:24:36**
